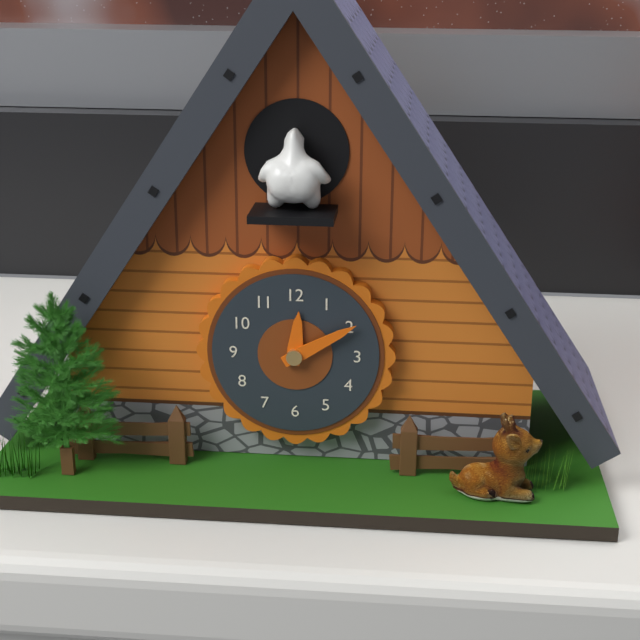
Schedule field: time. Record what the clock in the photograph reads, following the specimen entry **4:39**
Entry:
**12:10**
